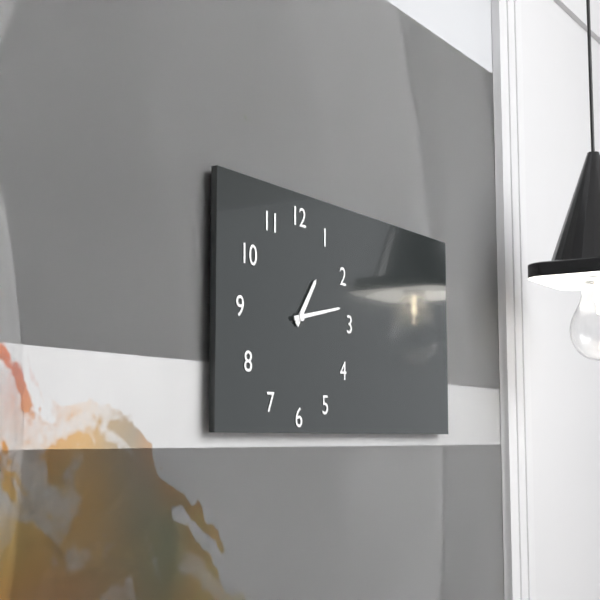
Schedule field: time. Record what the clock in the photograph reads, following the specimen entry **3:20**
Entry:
**1:13**
